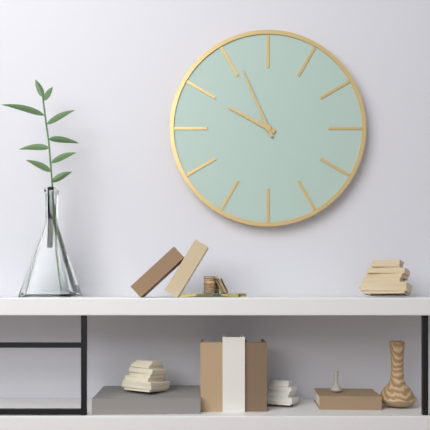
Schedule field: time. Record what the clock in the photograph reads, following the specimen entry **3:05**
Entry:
**9:56**
